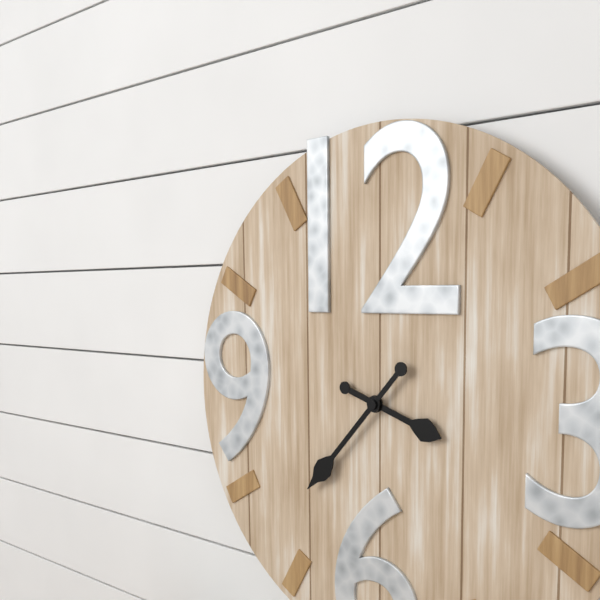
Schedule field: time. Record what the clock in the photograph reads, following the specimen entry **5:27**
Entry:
**3:37**
